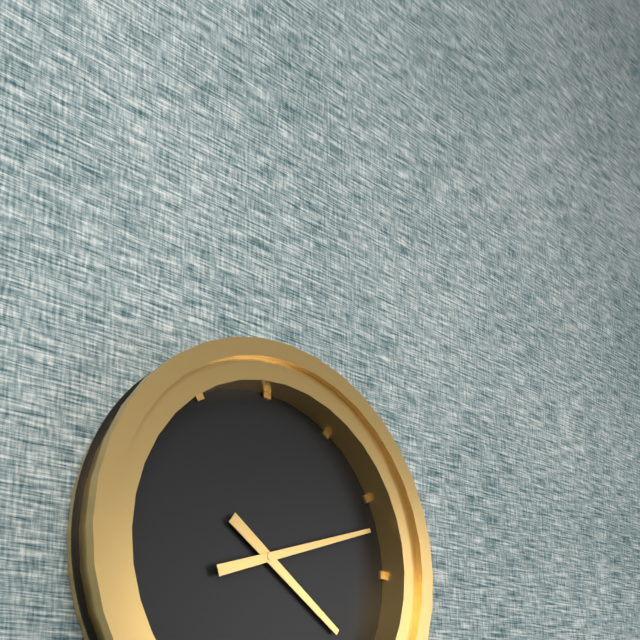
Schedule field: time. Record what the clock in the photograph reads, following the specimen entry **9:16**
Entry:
**4:12**
